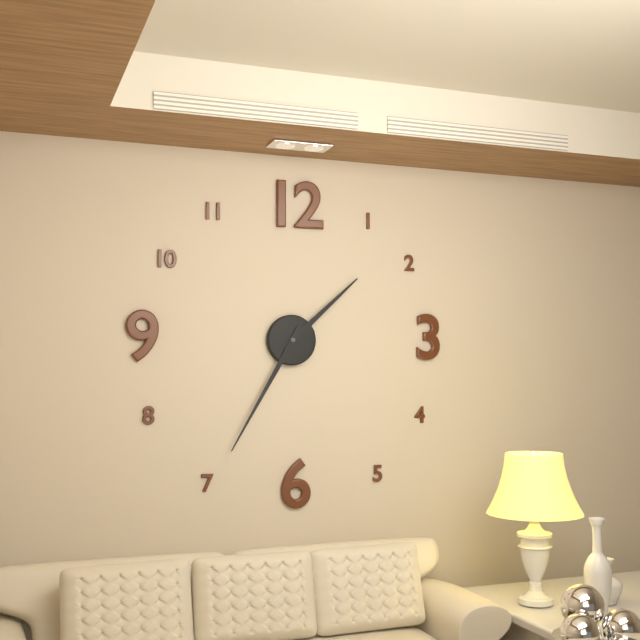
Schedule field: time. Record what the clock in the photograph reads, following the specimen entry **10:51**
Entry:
**1:35**
